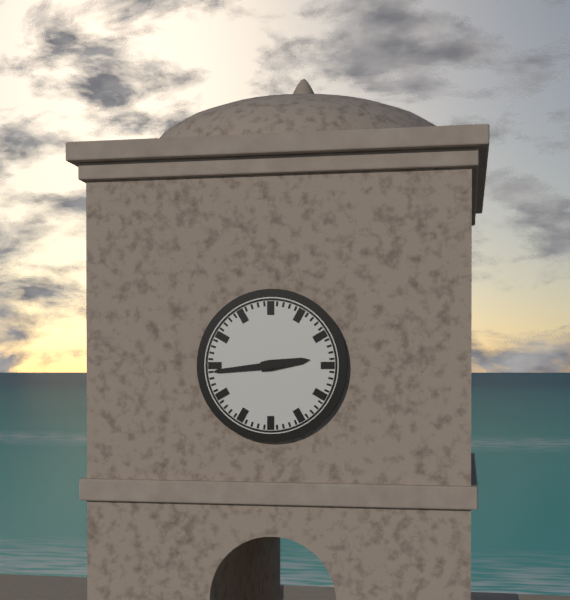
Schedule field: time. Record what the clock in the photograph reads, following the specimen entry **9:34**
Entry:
**2:44**
